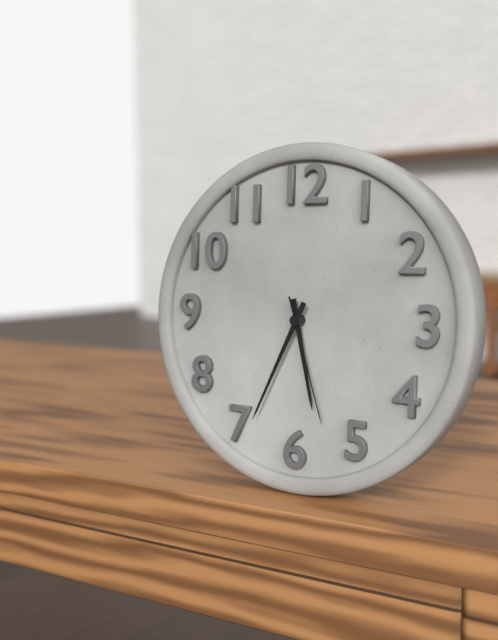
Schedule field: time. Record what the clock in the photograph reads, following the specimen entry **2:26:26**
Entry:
**5:34:27**
